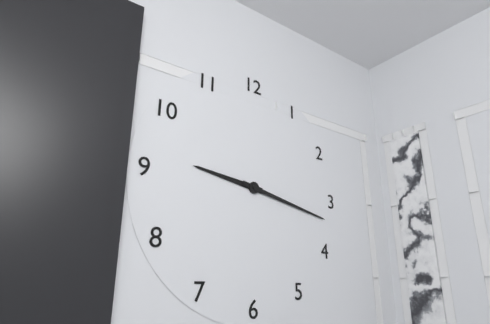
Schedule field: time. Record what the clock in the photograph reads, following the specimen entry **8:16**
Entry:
**9:17**
